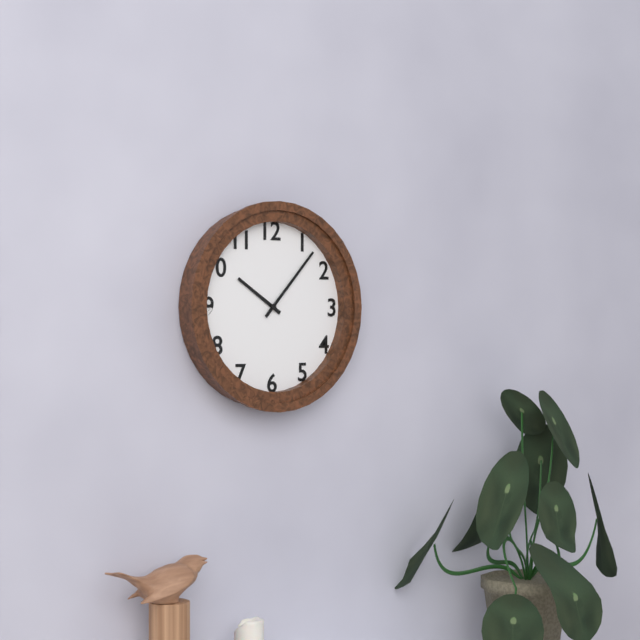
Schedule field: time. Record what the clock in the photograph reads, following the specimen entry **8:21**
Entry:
**10:07**
